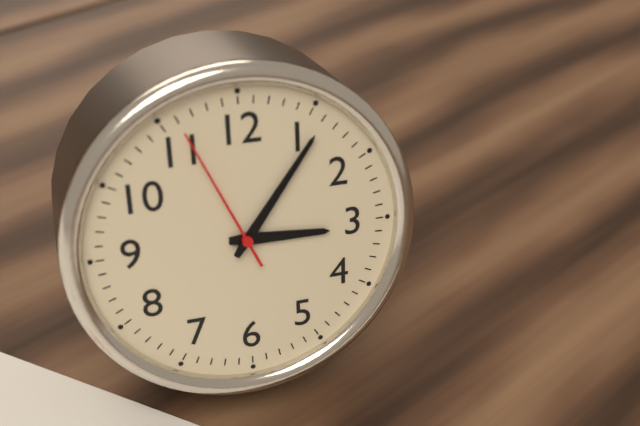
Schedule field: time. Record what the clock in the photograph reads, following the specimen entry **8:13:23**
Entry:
**3:06:56**
